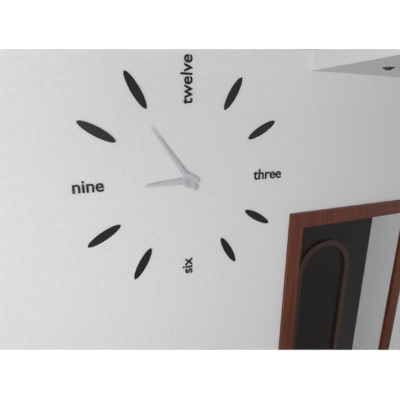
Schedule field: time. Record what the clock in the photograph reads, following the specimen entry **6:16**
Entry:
**8:54**
